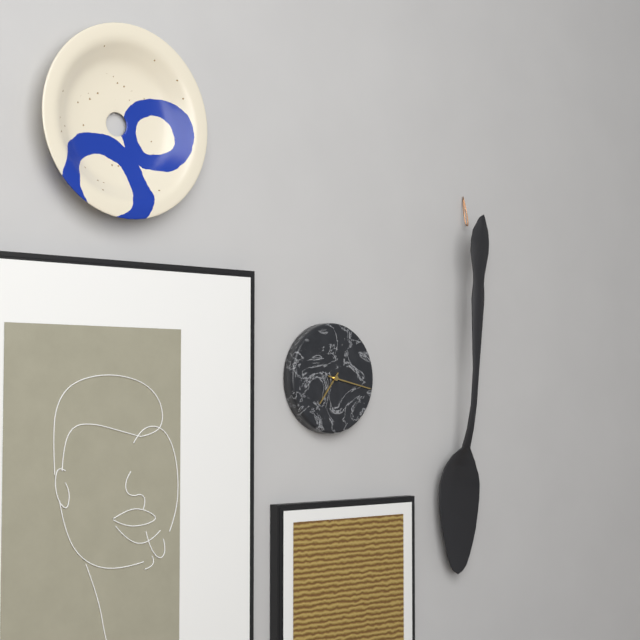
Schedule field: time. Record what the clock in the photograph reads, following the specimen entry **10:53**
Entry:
**7:17**
